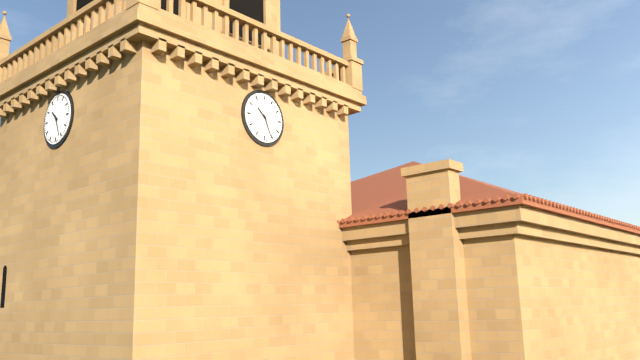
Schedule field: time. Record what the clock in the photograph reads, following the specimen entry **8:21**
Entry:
**10:26**
